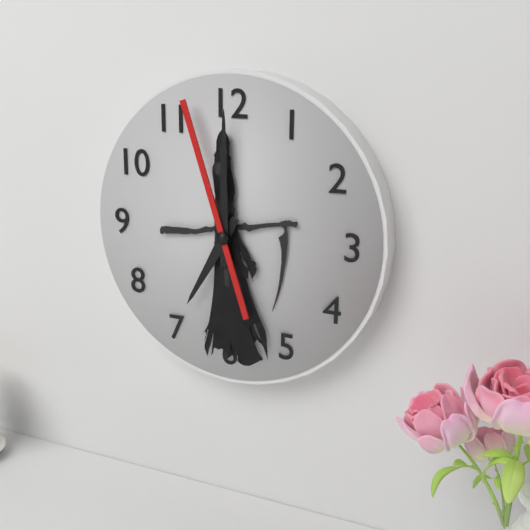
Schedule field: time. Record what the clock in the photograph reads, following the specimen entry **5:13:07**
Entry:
**7:00:57**
